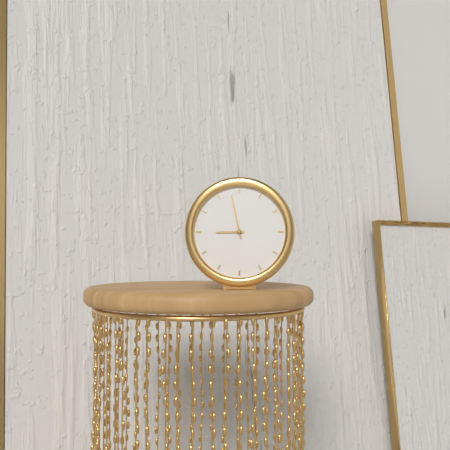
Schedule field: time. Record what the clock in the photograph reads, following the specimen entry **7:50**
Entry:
**8:58**
